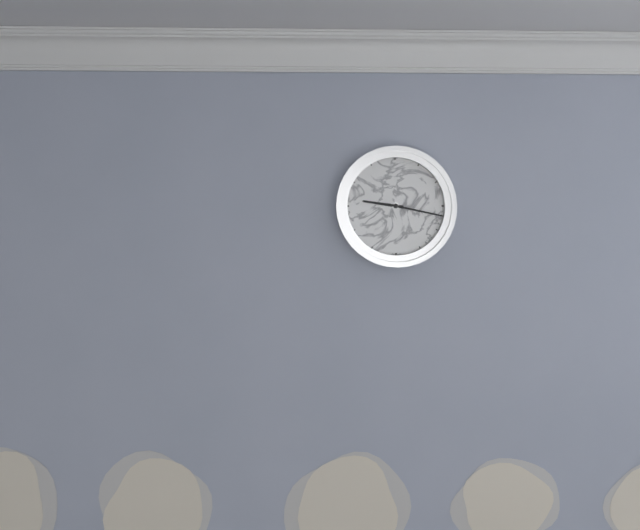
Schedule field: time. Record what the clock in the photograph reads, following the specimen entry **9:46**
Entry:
**9:17**
